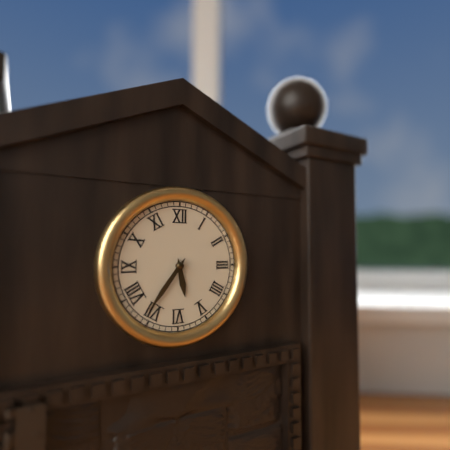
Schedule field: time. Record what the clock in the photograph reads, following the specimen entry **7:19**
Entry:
**5:36**
